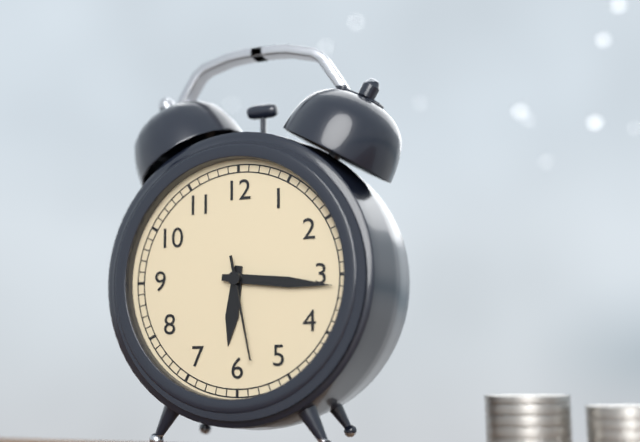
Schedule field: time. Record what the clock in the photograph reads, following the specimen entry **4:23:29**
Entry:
**6:16:28**
